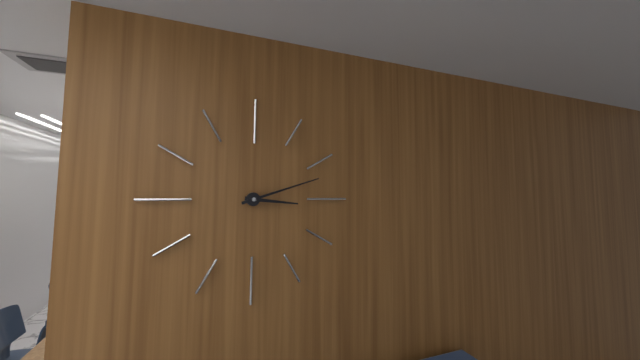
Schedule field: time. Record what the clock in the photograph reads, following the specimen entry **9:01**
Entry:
**3:12**
